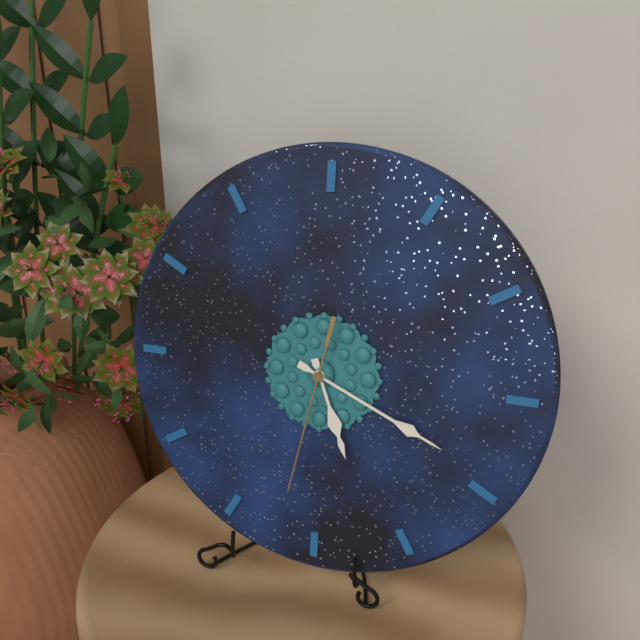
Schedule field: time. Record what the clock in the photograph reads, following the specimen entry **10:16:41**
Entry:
**5:19:32**
